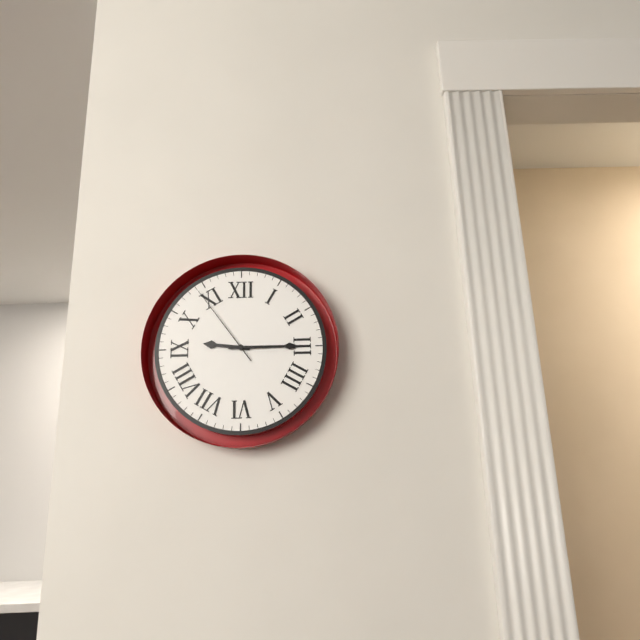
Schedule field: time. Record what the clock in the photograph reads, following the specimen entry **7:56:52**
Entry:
**9:15:54**
